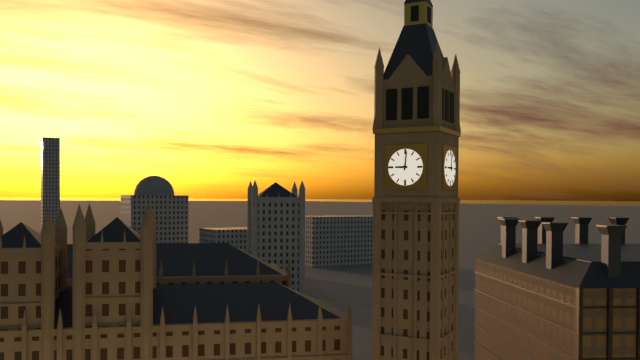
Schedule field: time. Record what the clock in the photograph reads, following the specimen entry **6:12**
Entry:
**9:01**
